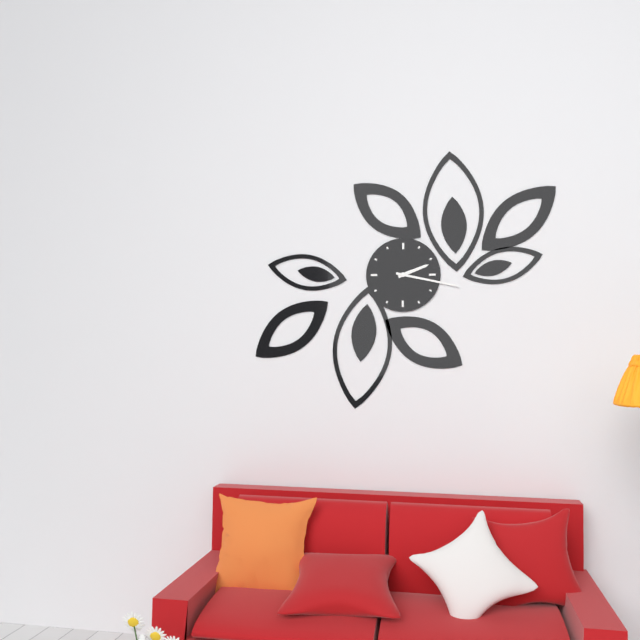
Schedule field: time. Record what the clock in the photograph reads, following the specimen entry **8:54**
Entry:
**2:17**
